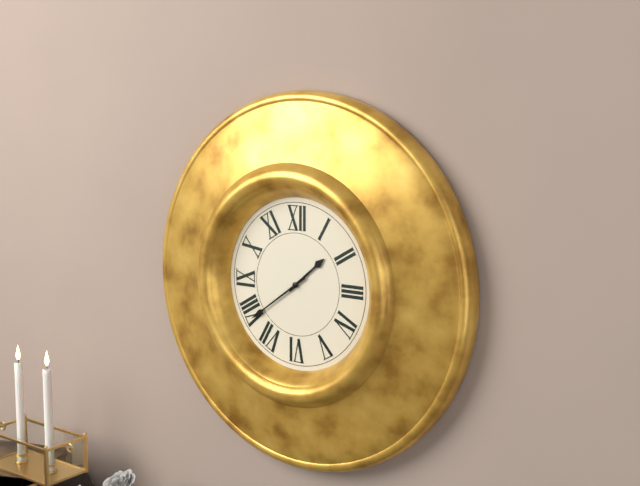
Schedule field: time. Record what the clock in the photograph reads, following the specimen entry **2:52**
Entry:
**1:39**
